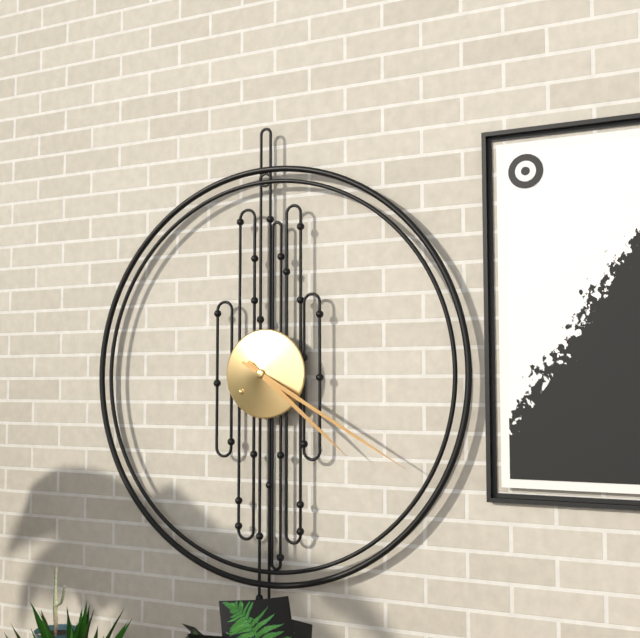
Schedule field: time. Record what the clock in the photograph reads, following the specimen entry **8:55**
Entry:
**4:20**
